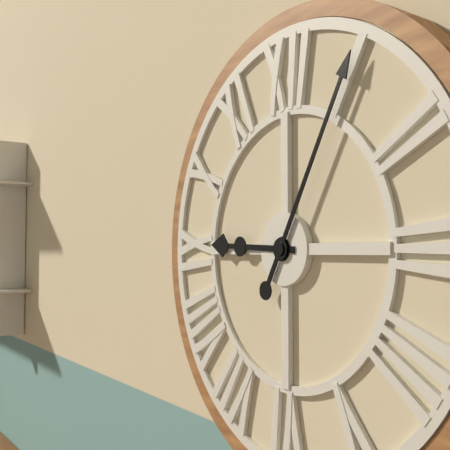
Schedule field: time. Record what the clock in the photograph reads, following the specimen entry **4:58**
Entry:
**9:05**
